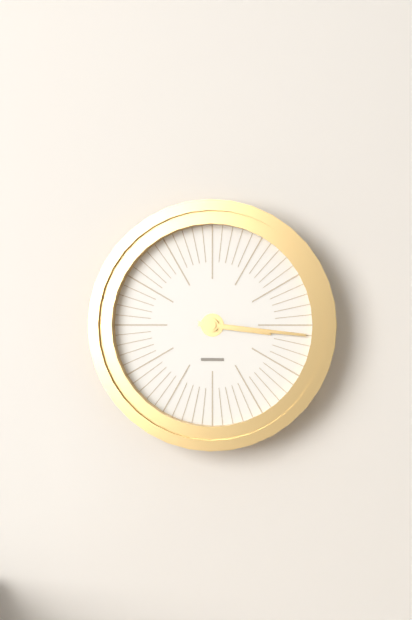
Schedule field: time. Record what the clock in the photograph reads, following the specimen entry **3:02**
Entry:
**3:16**
